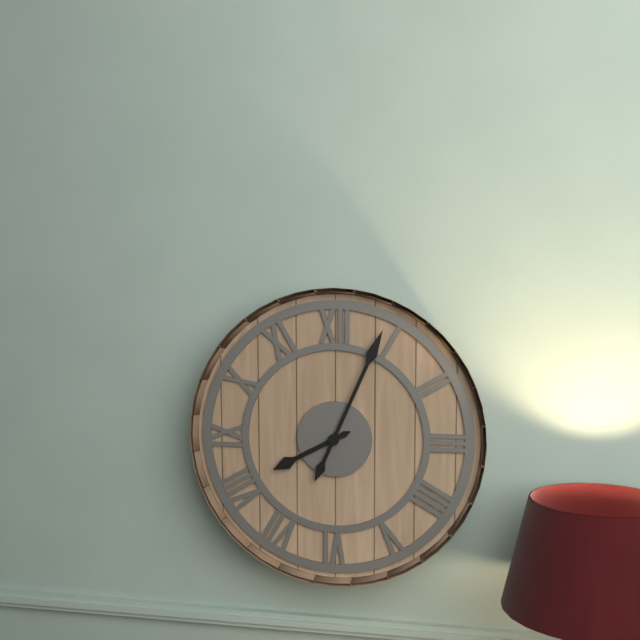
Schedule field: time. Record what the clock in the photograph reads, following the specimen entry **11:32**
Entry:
**8:04**
